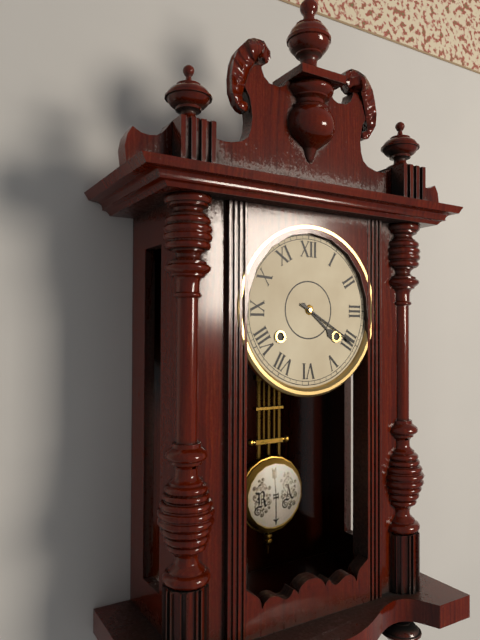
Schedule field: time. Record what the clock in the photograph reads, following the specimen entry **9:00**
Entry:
**4:20**
